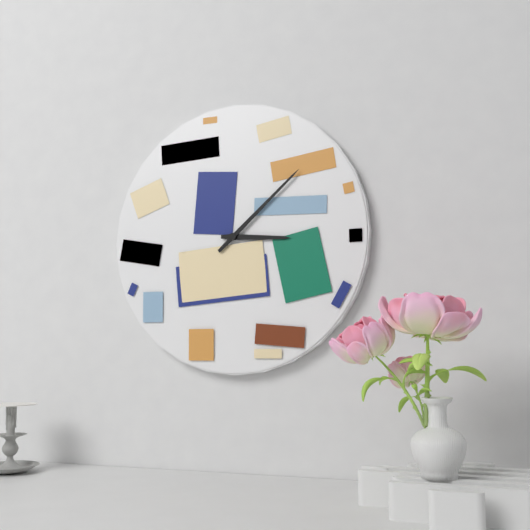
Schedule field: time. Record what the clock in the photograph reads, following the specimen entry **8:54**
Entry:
**3:08**
